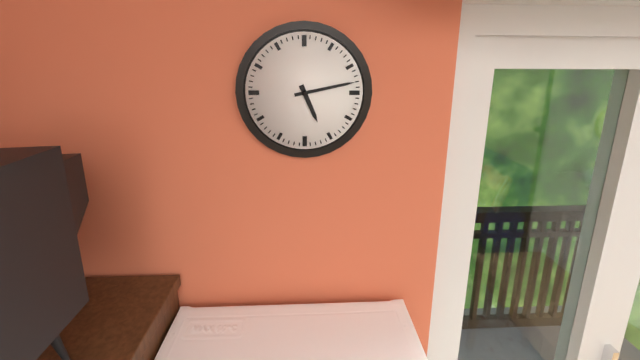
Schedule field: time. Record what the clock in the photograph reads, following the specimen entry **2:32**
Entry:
**5:13**
